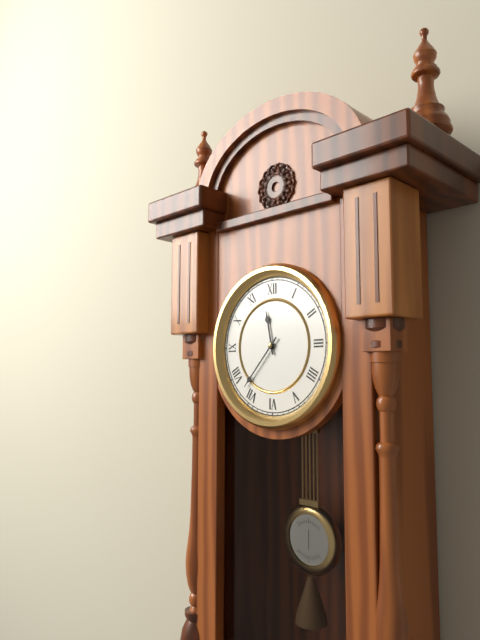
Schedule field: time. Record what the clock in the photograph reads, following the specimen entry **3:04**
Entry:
**11:37**
